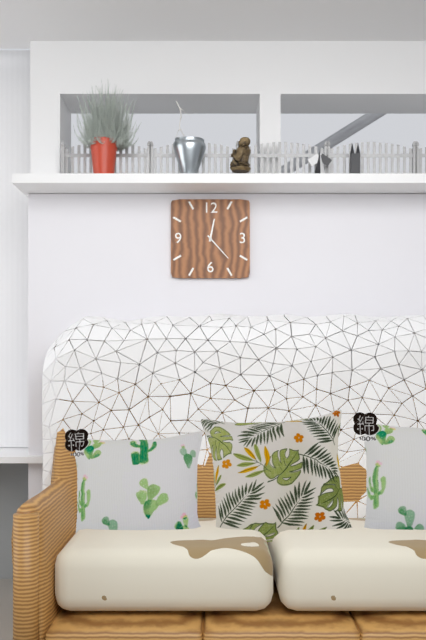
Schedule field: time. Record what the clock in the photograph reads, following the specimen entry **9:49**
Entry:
**12:23**
